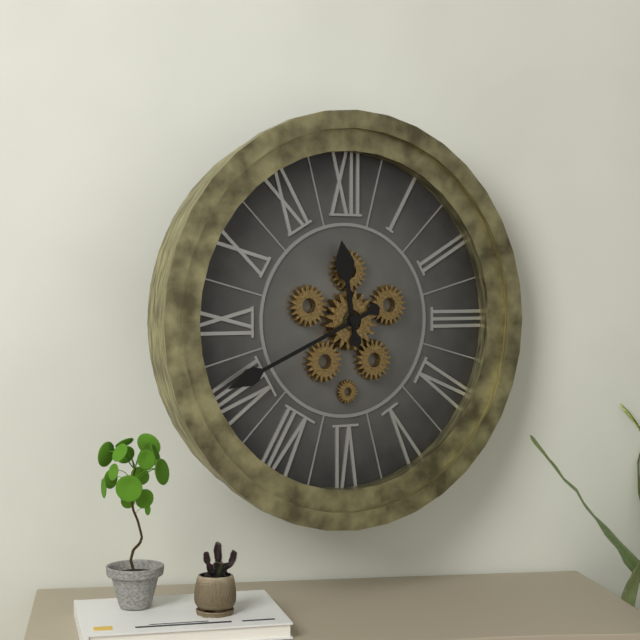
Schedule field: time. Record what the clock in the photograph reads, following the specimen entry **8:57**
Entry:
**11:41**
